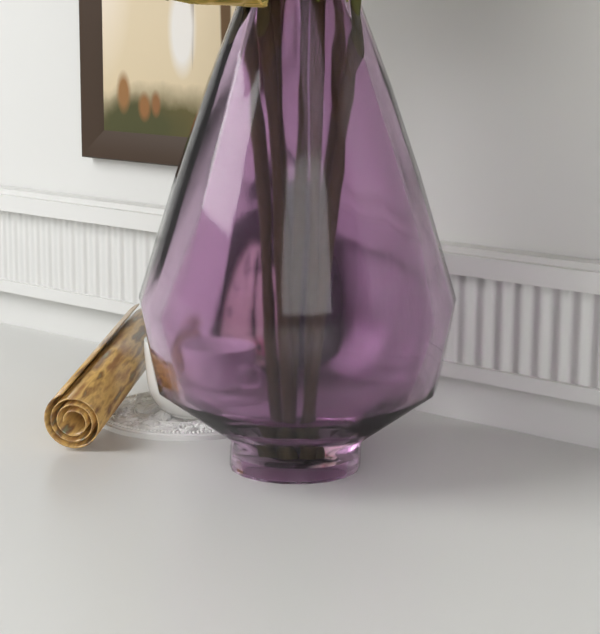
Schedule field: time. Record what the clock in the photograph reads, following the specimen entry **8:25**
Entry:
**4:59**
